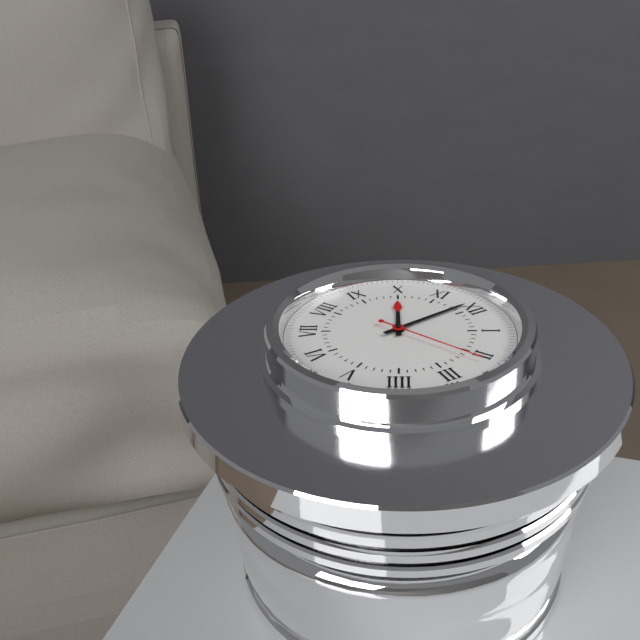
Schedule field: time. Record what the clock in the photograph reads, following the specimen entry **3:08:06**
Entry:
**9:59:11**
